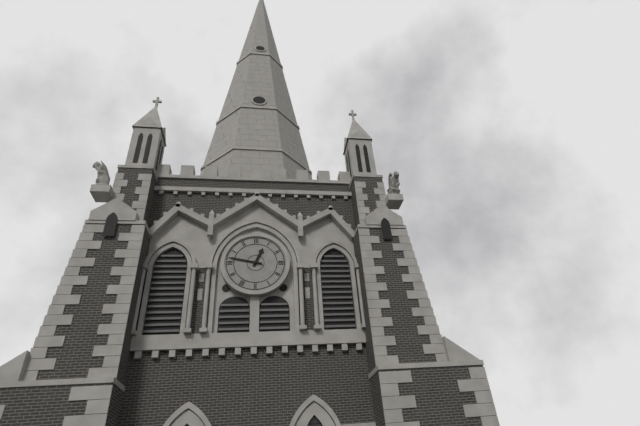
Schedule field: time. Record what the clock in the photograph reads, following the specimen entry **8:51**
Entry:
**12:47**
